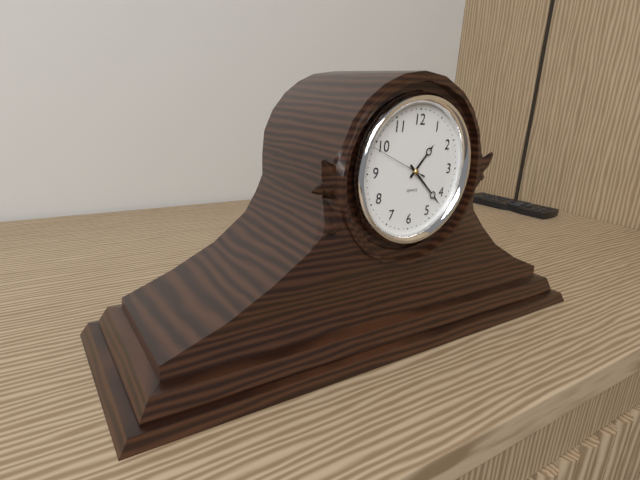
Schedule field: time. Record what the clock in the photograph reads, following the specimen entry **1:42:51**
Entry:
**1:22:49**
